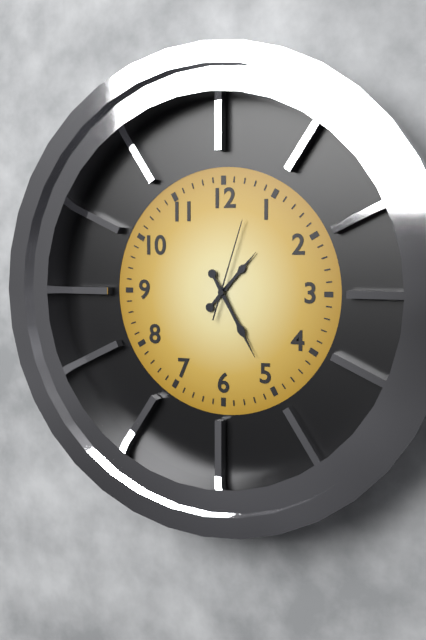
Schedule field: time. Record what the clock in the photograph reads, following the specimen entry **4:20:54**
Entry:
**1:25:03**
